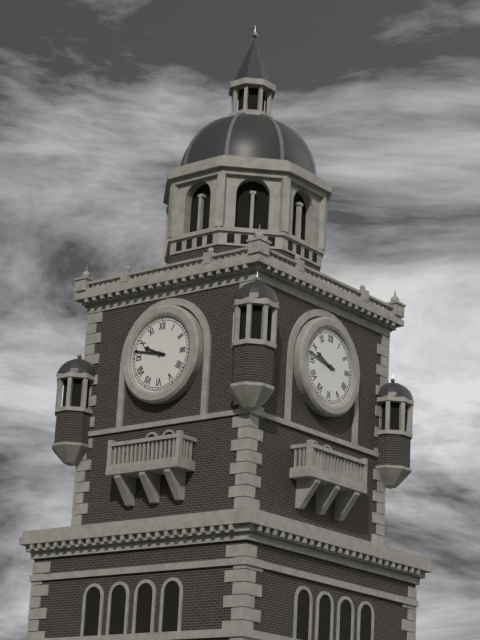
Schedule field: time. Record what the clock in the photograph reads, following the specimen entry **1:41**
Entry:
**9:47**
